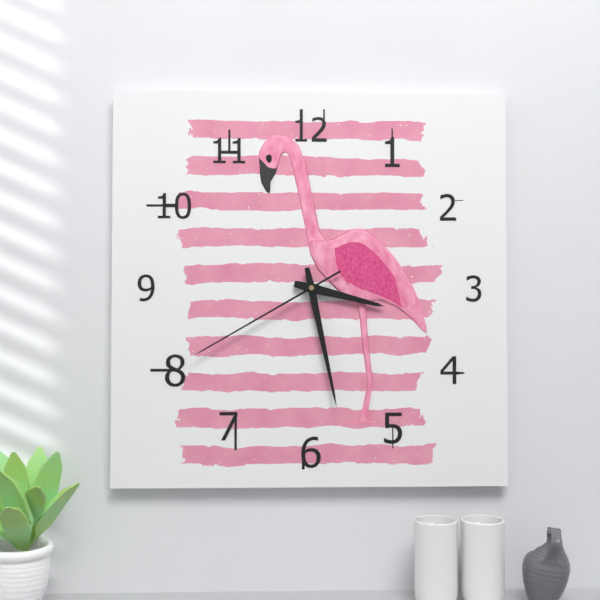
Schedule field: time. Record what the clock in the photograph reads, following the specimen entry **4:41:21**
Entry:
**3:28:40**
